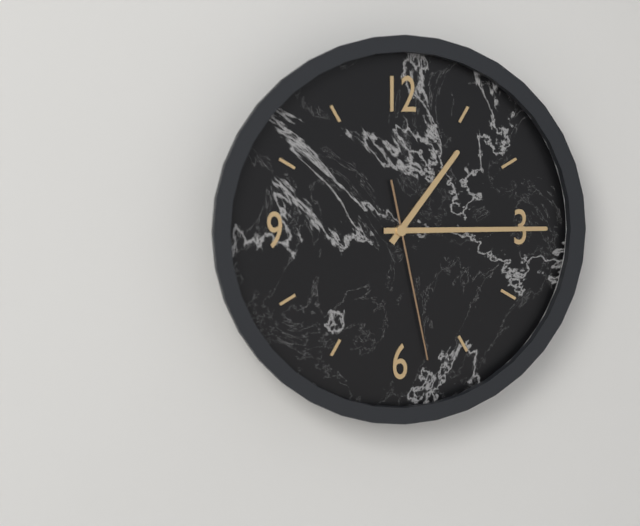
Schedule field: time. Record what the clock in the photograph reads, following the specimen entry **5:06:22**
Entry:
**1:15:28**
